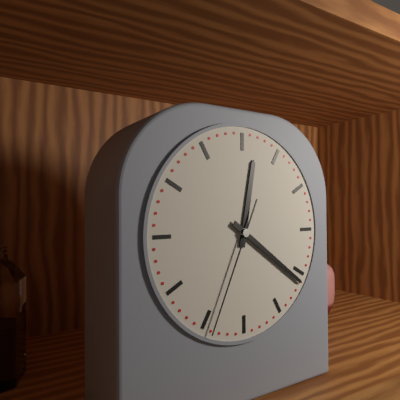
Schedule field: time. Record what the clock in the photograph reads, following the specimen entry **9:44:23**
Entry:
**12:21:34**
